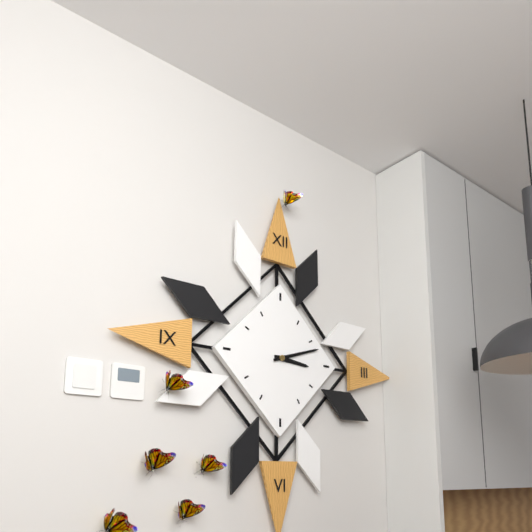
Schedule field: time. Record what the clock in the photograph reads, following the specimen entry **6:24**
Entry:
**3:12**
